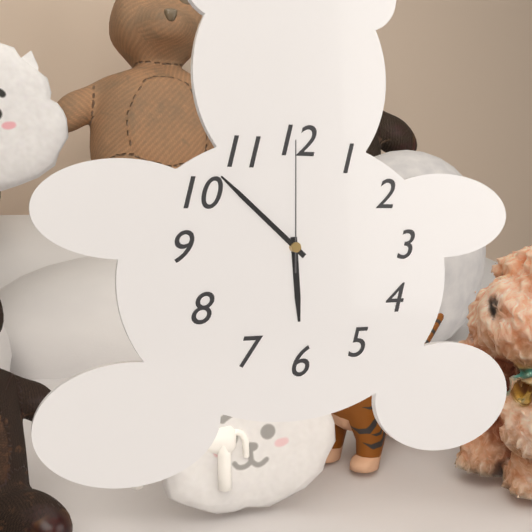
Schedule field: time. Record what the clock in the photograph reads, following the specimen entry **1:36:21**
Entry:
**5:52:00**
